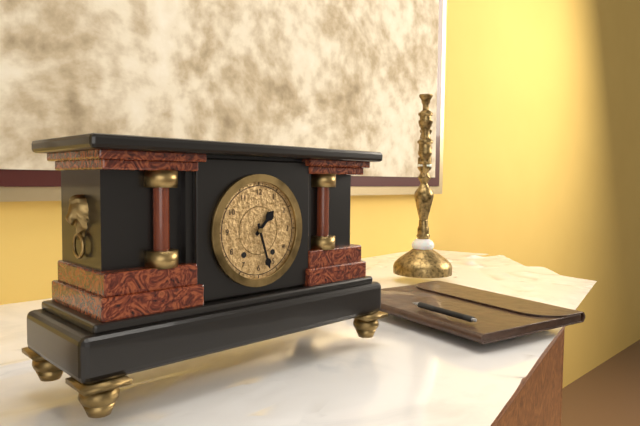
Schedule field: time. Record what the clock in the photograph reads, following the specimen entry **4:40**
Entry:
**1:27**
